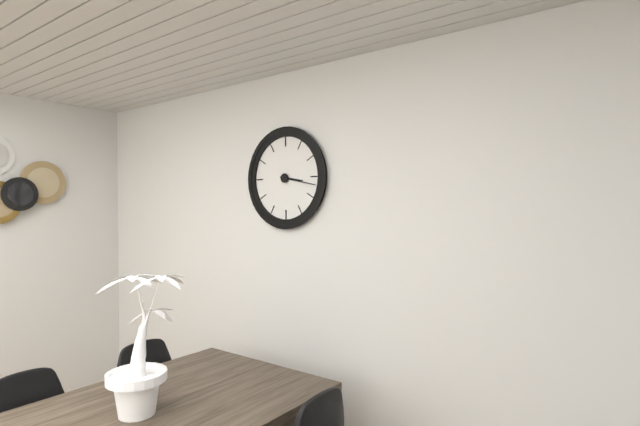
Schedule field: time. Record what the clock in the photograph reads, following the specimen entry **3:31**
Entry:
**3:17**
